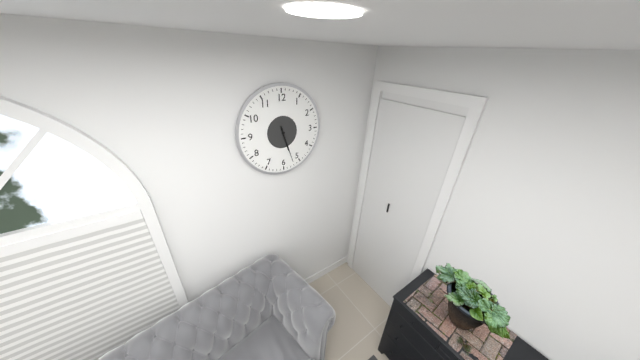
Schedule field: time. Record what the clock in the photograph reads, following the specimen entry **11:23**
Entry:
**5:27**
